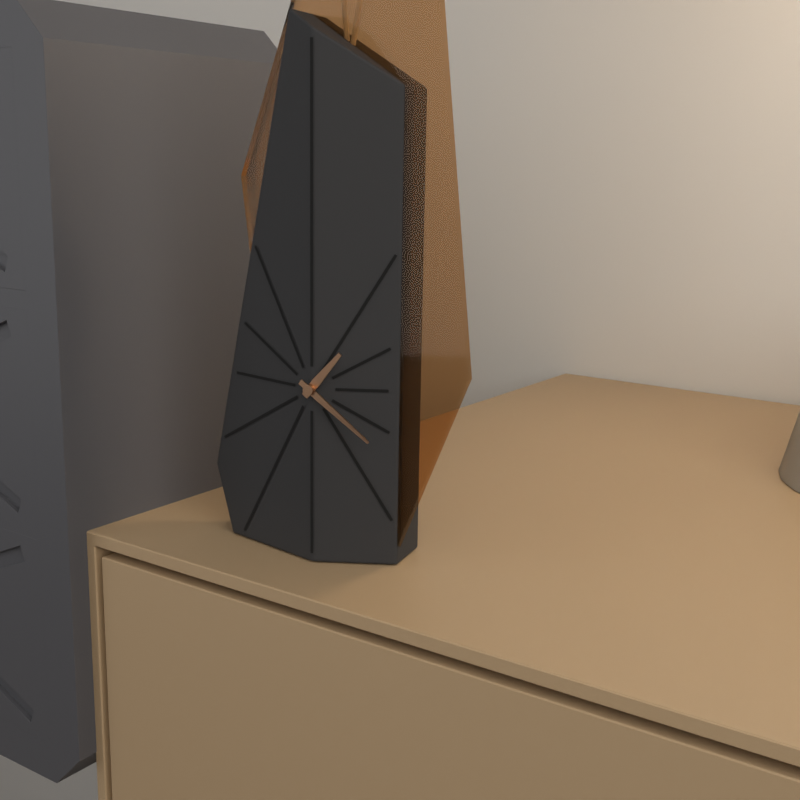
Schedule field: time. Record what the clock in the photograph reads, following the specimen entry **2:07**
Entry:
**1:21**
